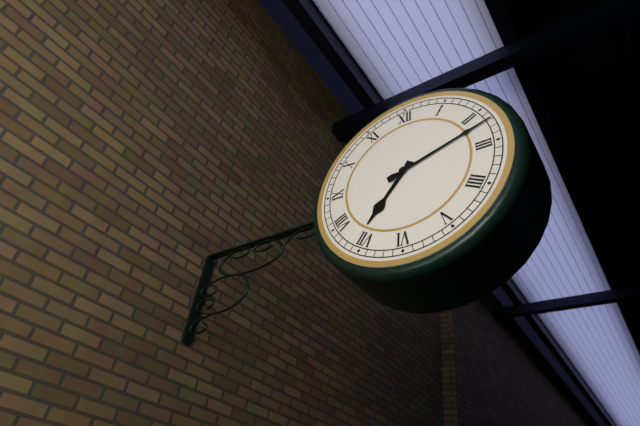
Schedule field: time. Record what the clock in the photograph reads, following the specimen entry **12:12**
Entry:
**7:12**
